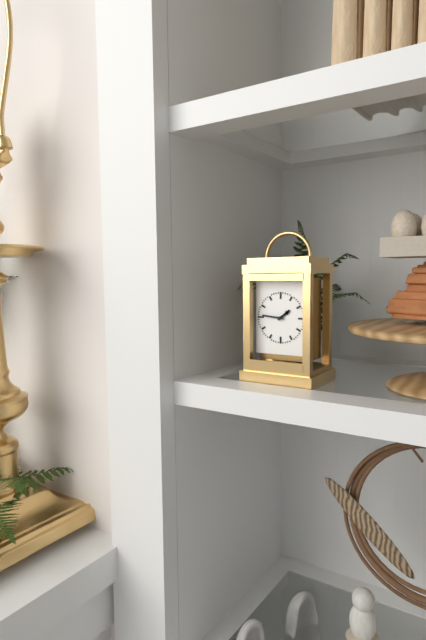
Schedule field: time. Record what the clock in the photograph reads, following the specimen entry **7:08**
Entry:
**1:46**
